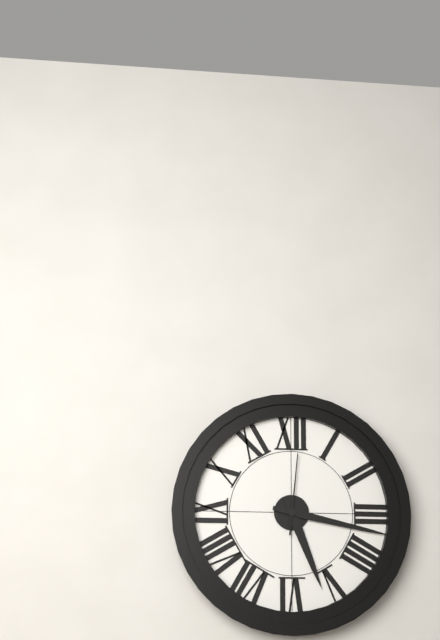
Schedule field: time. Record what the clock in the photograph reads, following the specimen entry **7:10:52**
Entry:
**5:17:01**
